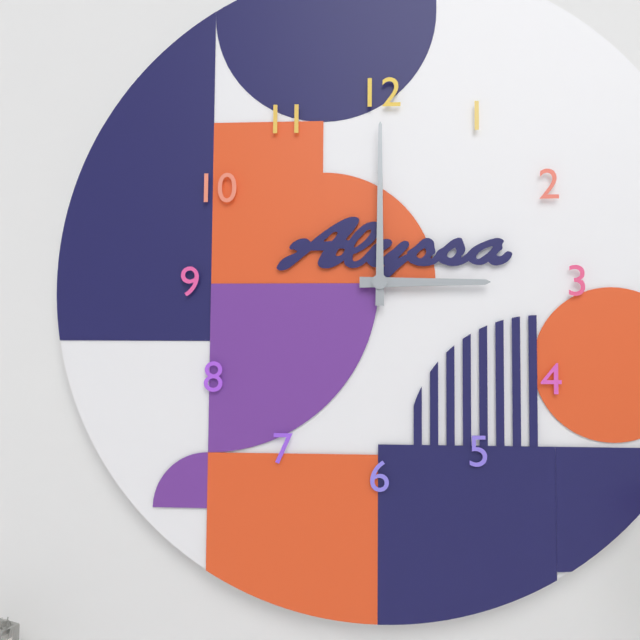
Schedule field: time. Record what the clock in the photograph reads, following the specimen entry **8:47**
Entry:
**3:00**
